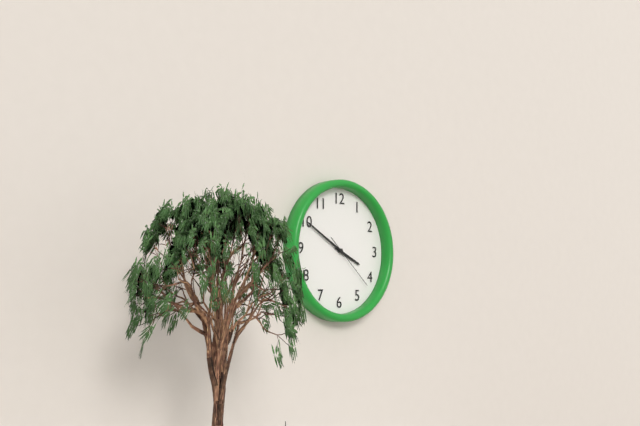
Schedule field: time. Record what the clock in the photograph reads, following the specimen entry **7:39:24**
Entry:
**3:50:22**
